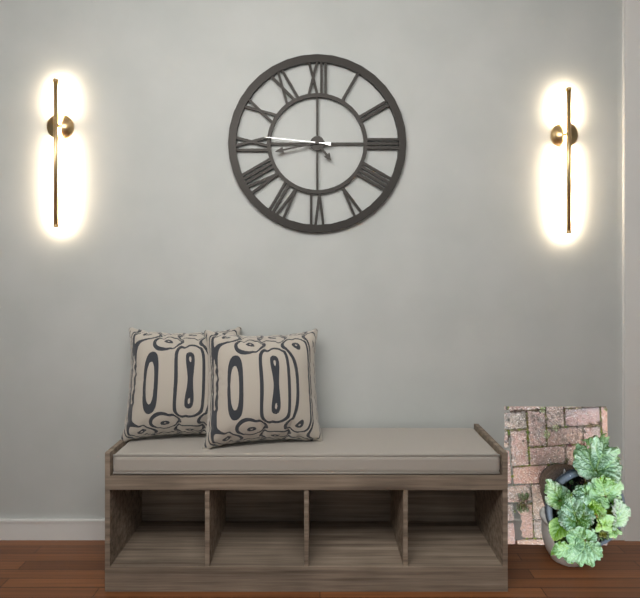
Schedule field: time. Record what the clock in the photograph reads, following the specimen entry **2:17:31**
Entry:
**4:43:46**
